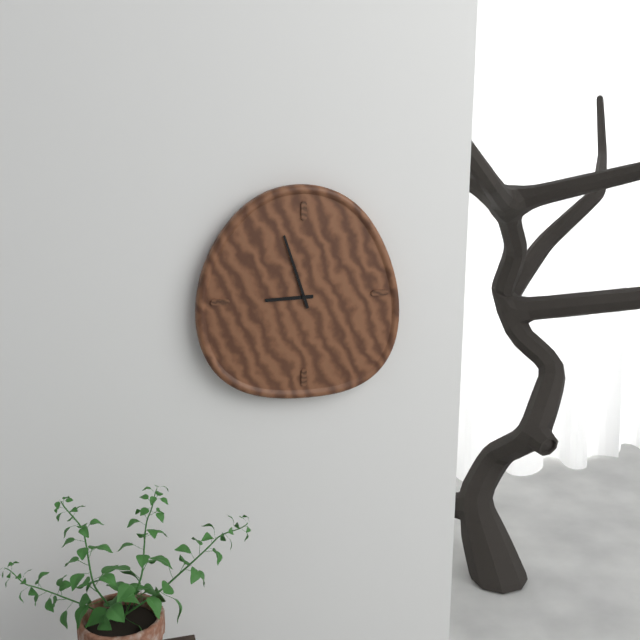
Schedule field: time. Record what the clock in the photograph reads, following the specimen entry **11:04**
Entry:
**8:57**
